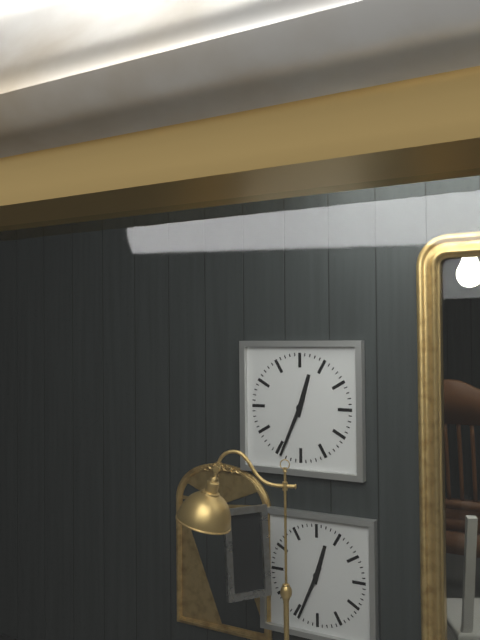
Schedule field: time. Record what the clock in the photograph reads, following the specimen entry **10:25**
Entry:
**12:34**
